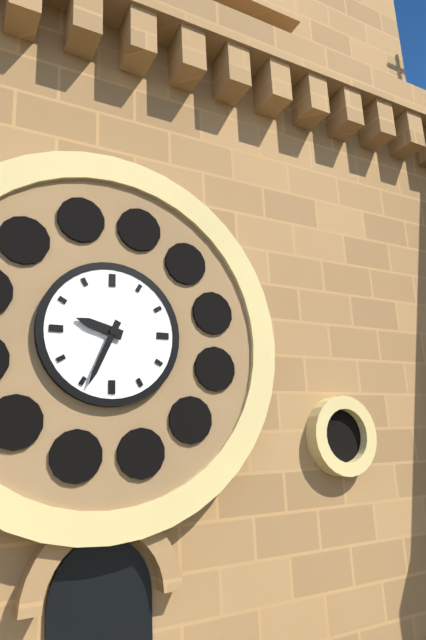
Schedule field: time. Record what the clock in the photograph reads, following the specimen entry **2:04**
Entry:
**9:34**
